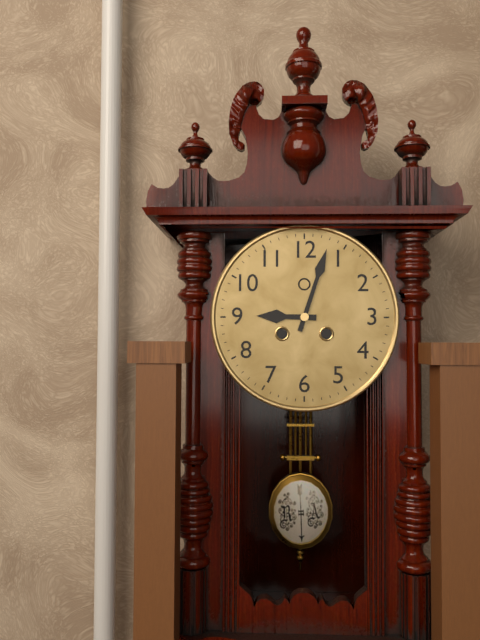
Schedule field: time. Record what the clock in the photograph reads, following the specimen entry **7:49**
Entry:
**9:03**
